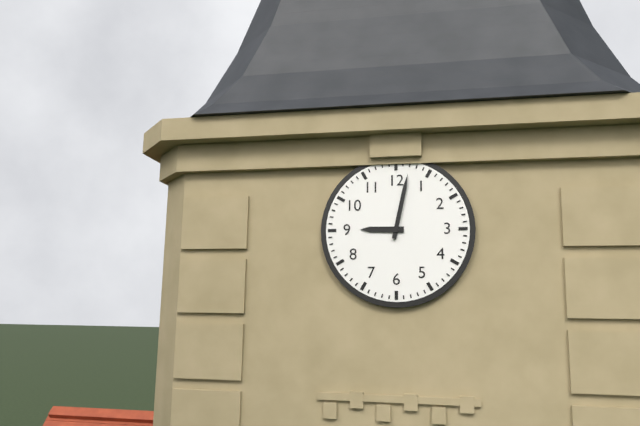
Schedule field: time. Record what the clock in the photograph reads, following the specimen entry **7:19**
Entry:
**9:02**
